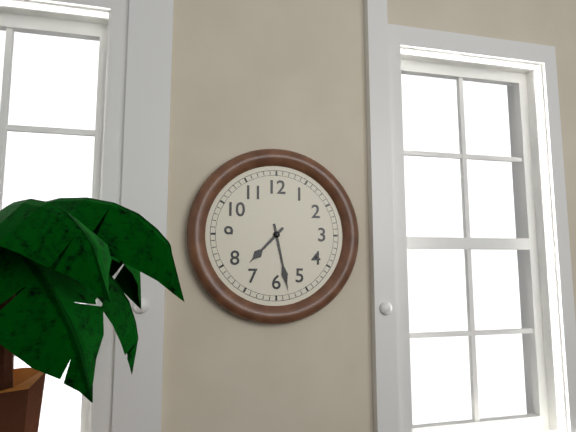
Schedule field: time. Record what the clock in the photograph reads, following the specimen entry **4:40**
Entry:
**7:28**
